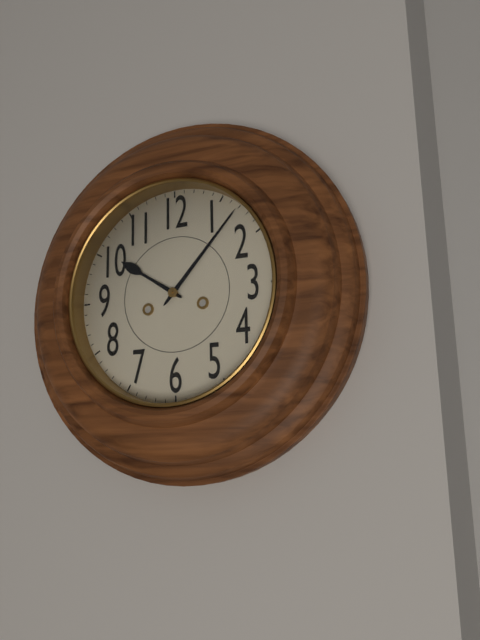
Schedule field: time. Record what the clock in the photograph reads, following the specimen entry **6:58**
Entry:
**10:07**
